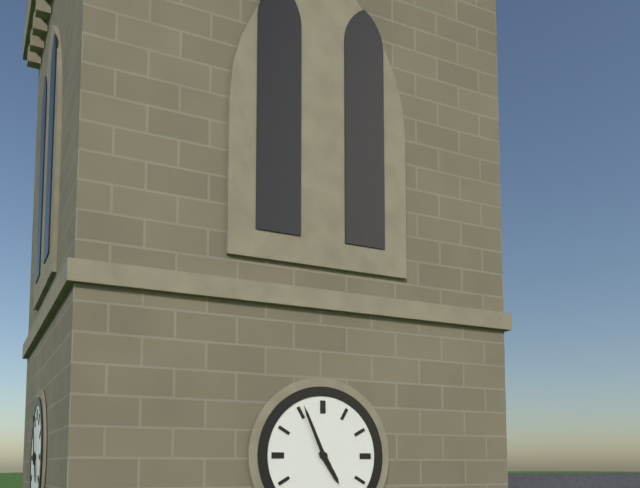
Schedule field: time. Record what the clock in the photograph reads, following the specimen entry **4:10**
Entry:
**4:56**
